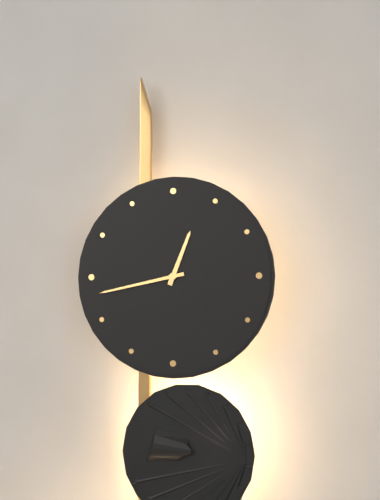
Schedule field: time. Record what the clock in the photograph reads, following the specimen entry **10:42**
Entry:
**12:43**
